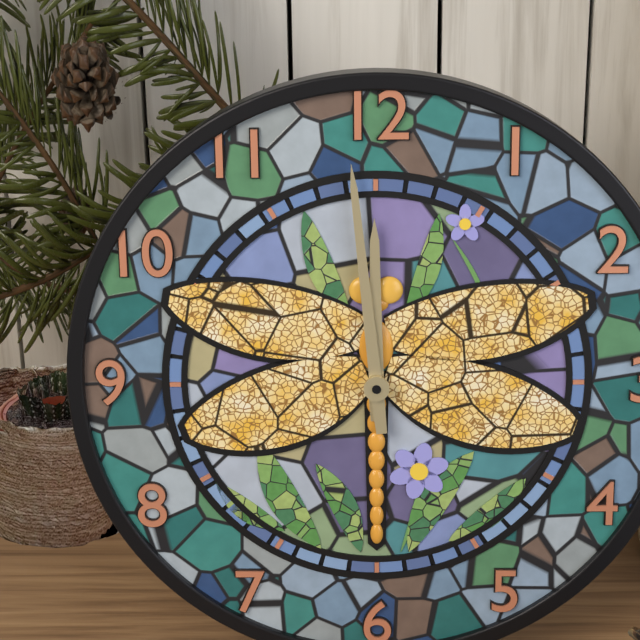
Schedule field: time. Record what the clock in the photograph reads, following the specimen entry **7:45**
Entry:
**11:59**
